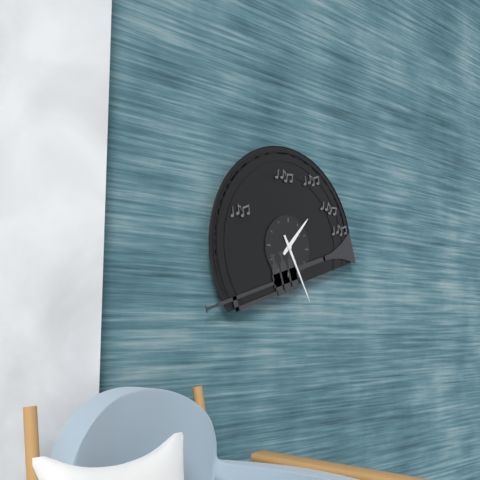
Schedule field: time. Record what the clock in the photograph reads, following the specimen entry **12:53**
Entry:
**1:25**
